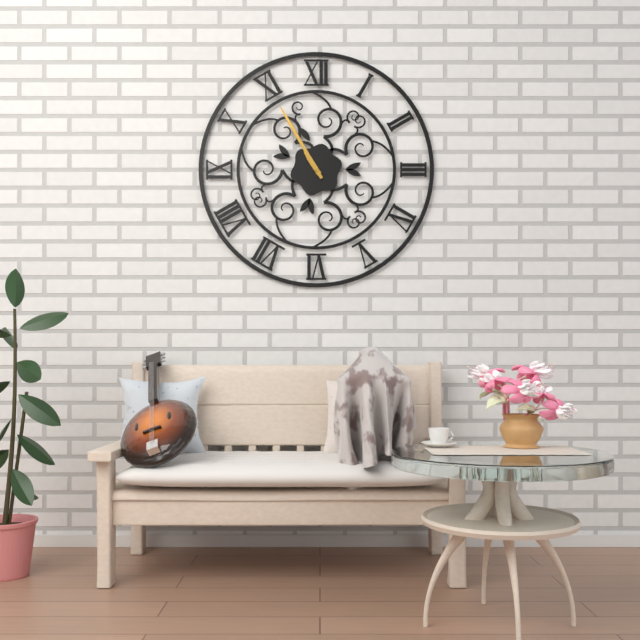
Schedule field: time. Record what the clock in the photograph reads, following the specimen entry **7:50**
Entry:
**10:55**
